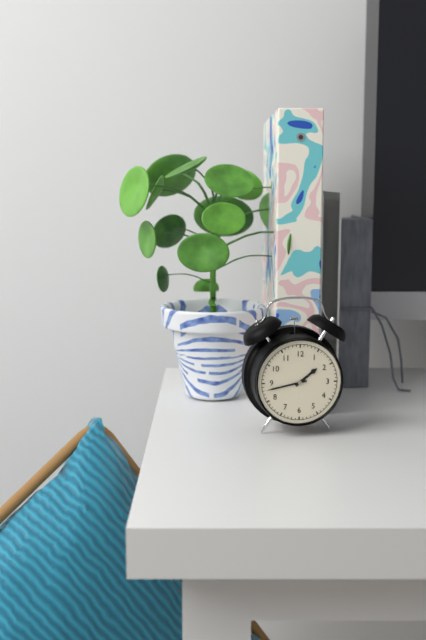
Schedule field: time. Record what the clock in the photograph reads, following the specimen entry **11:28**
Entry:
**1:43**
